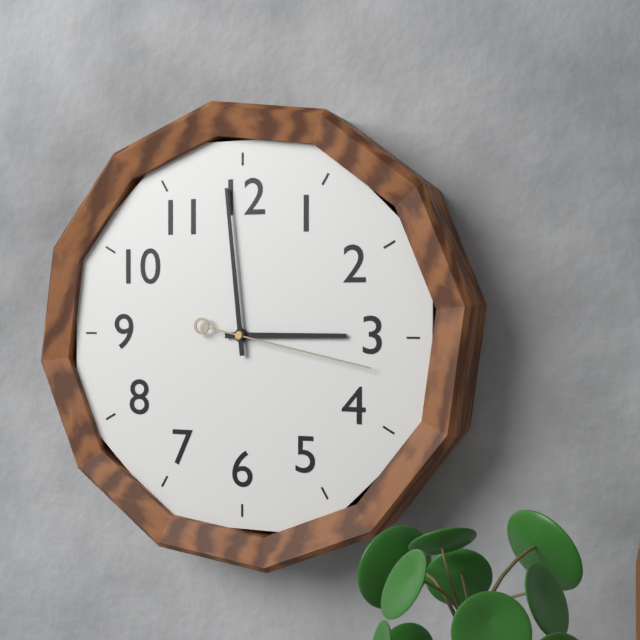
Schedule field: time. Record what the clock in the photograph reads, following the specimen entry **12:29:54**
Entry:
**2:59:17**
